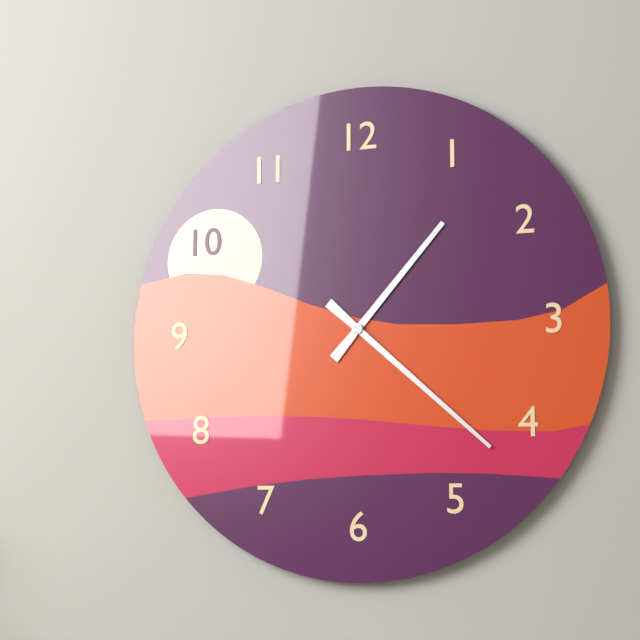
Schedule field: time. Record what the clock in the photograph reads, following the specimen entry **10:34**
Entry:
**1:22**
